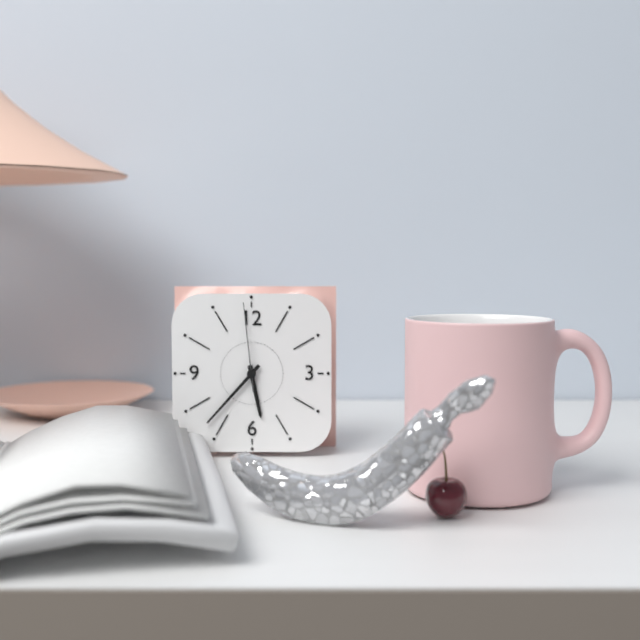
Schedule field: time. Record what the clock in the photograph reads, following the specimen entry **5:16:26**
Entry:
**5:37:59**
